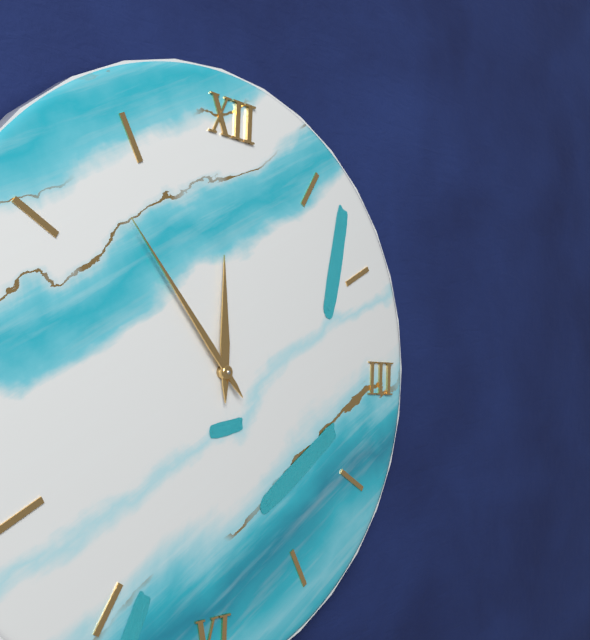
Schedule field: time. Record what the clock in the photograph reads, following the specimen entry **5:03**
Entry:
**11:53**
